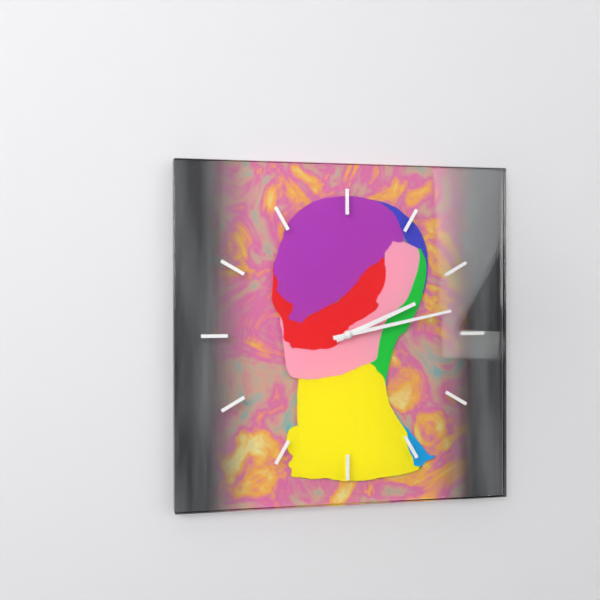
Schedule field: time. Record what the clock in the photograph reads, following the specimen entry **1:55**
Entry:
**2:13**
